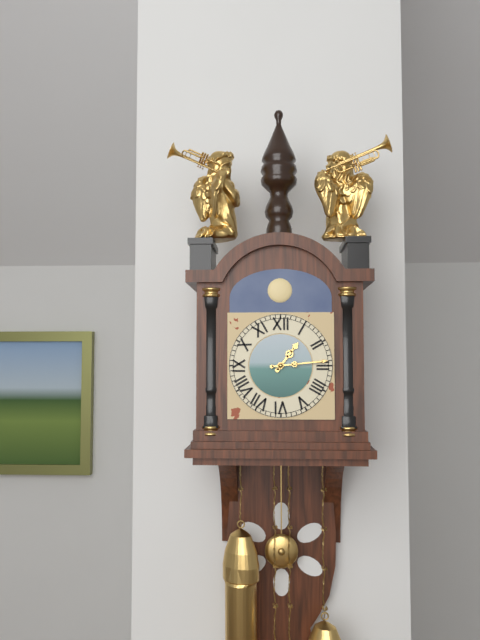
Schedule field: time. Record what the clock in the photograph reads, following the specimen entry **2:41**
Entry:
**1:14**
